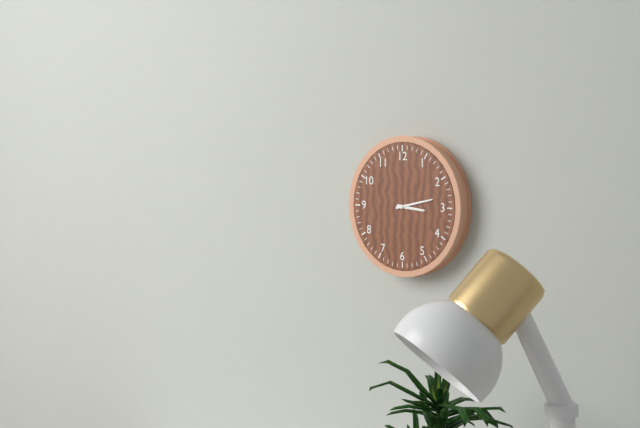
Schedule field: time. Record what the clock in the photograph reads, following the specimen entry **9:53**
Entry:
**3:13**
